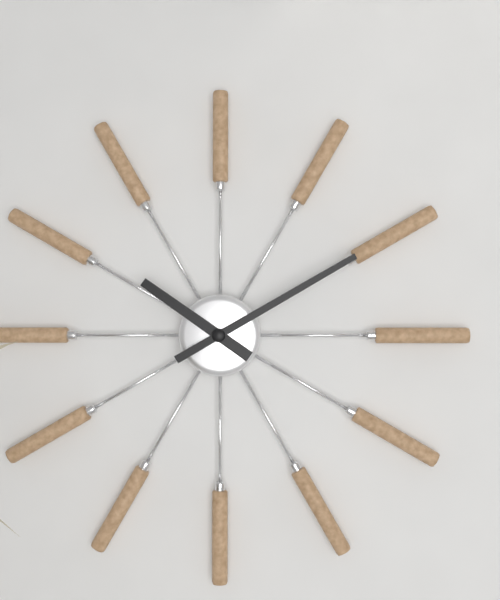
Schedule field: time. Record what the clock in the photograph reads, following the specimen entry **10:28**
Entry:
**10:10**
